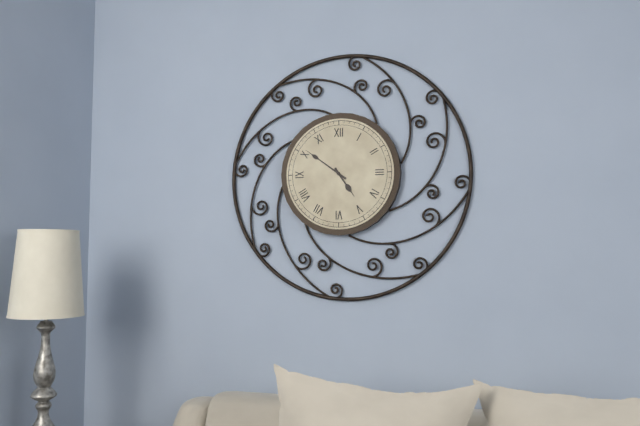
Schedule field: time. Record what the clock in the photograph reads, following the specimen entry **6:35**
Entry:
**4:51**
